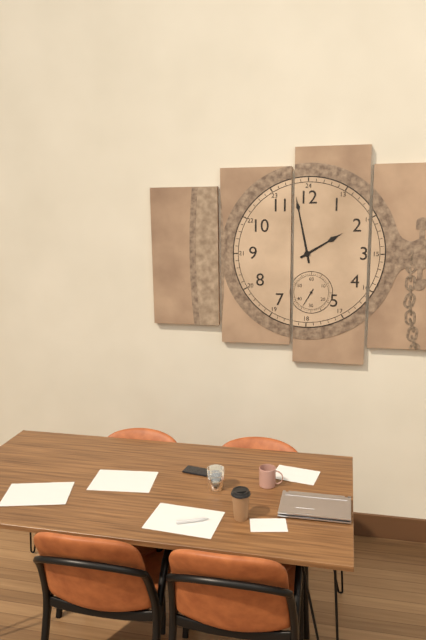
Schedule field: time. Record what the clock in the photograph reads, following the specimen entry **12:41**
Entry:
**1:58**
